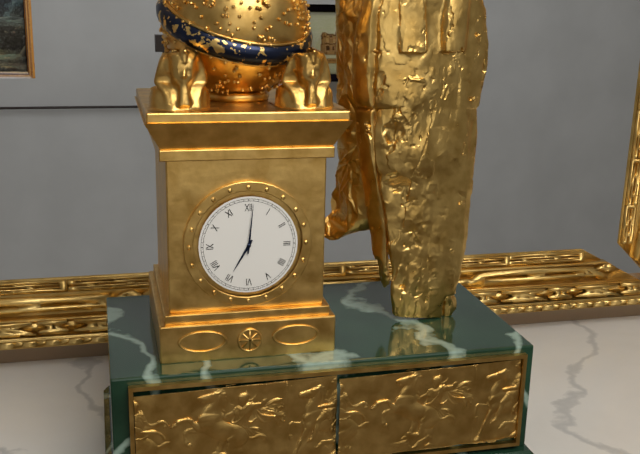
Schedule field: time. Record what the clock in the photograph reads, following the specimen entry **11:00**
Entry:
**7:01**
